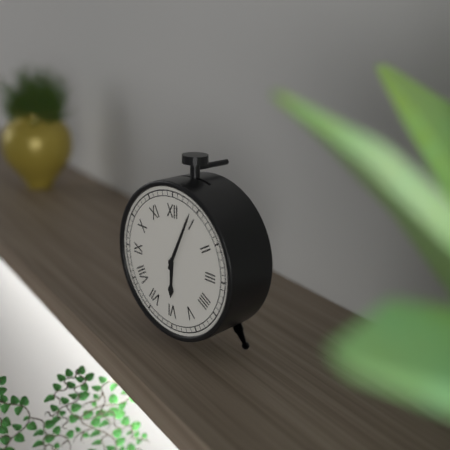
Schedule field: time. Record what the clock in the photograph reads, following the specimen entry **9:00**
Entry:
**6:04**
